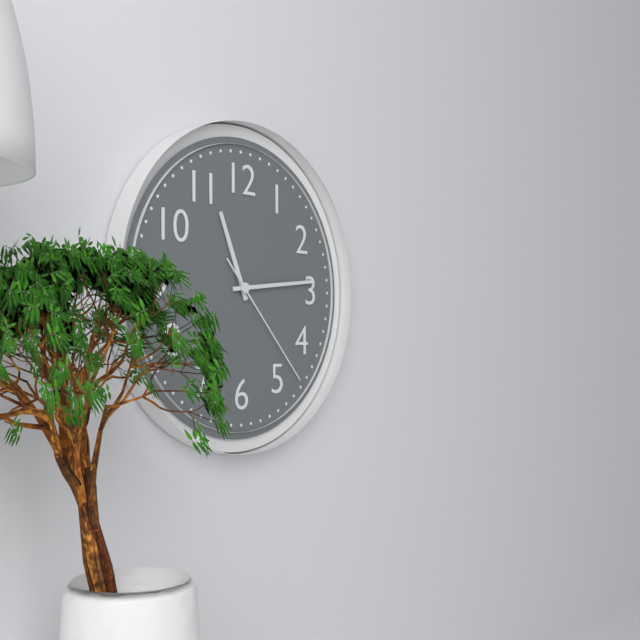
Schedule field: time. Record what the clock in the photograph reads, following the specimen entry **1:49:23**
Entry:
**11:14:23**
